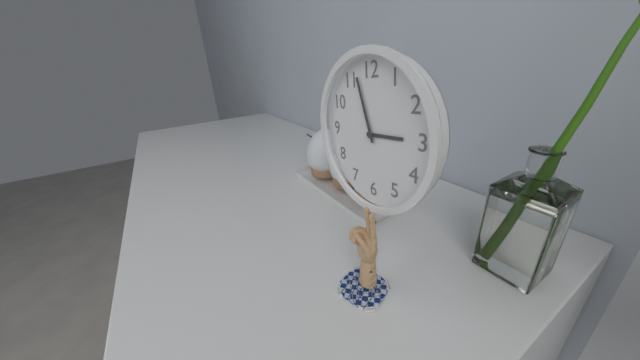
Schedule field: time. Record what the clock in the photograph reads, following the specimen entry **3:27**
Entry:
**2:57**
